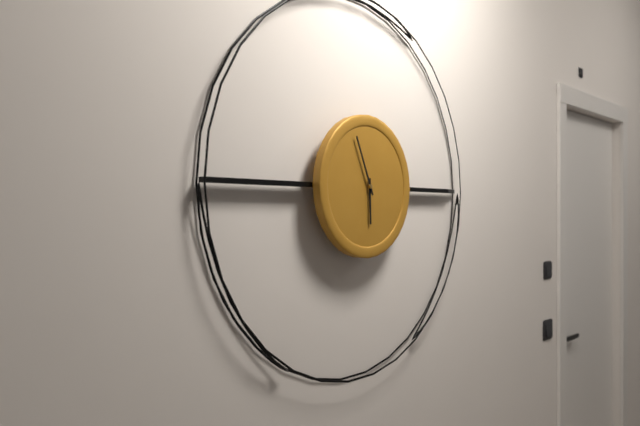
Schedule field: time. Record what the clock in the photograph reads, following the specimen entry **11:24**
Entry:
**5:56**
